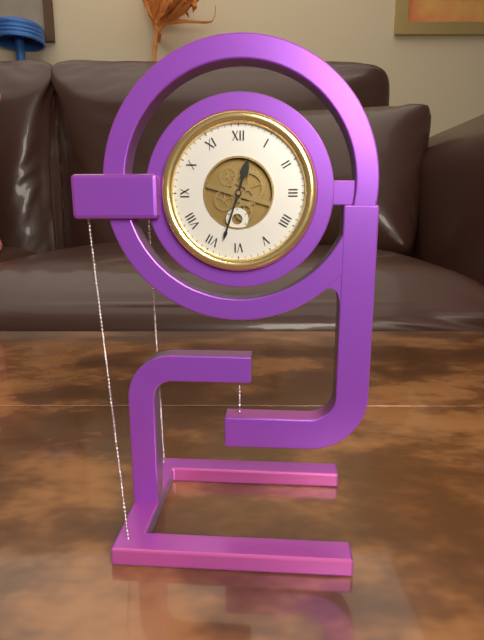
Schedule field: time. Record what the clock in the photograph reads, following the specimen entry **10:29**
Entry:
**12:33**
